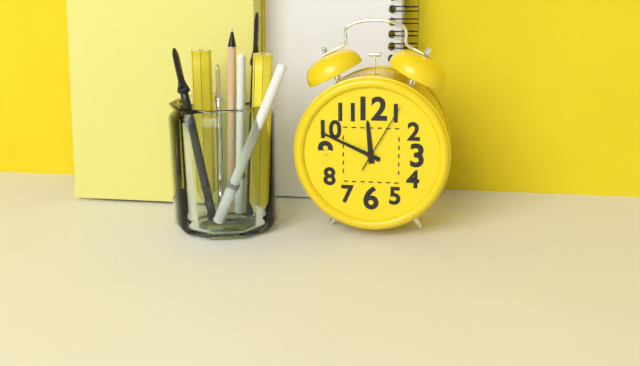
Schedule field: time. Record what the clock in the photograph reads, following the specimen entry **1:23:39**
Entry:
**11:49:05**
